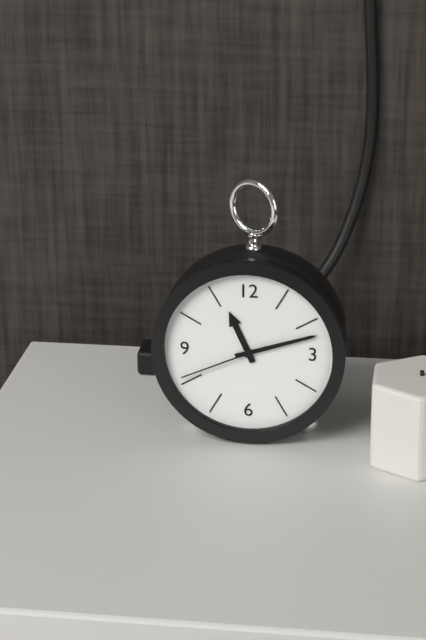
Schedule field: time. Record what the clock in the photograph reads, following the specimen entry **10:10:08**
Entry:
**11:12:41**
